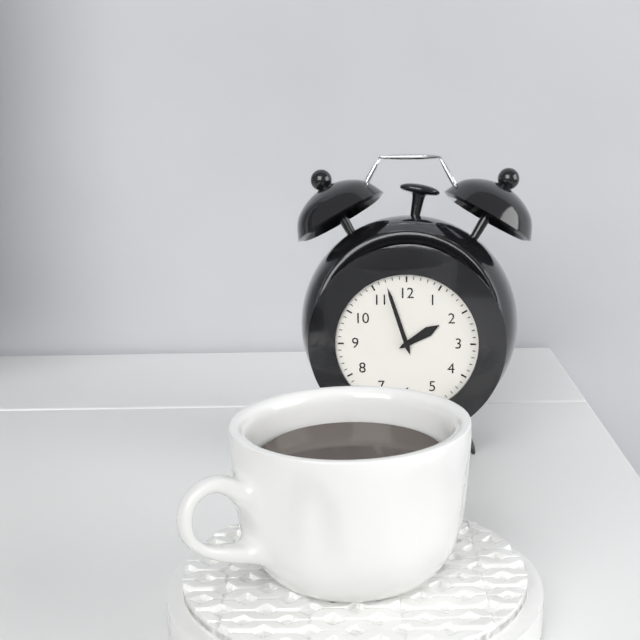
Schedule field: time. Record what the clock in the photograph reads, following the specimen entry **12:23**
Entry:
**1:57**
